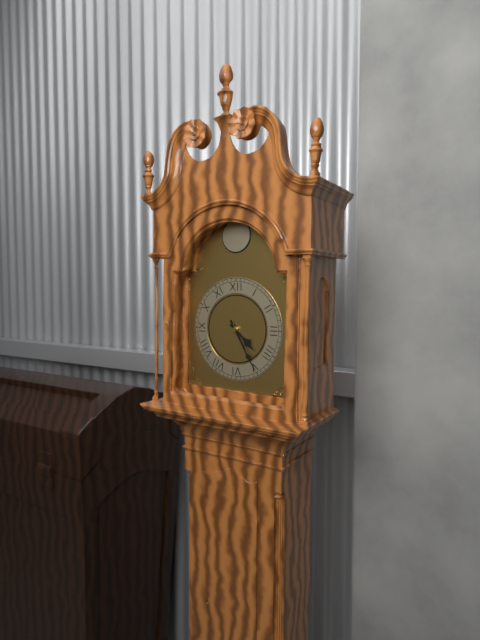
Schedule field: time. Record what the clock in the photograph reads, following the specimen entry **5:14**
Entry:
**4:25**
